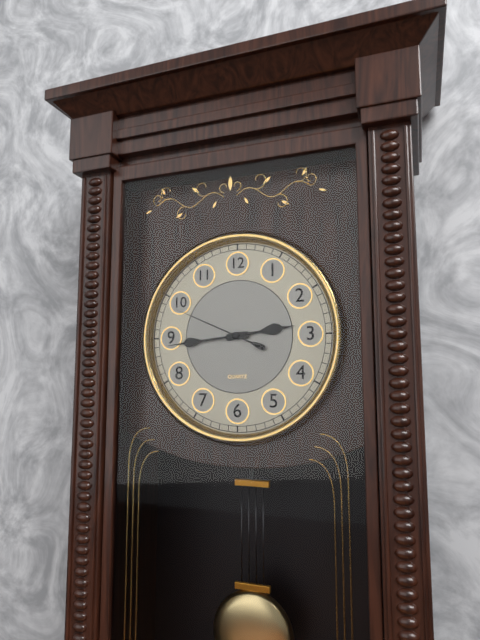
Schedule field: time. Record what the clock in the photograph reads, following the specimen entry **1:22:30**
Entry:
**2:44:49**
